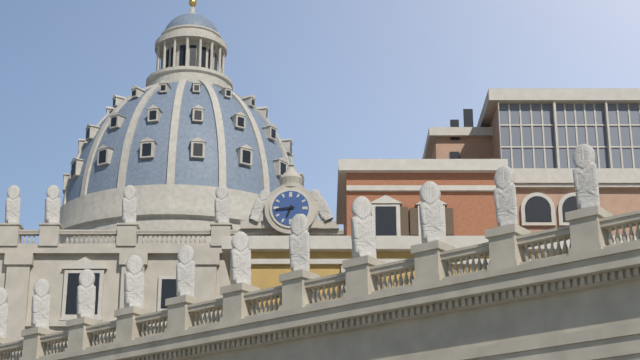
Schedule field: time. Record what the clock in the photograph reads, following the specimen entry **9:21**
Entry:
**6:44**
